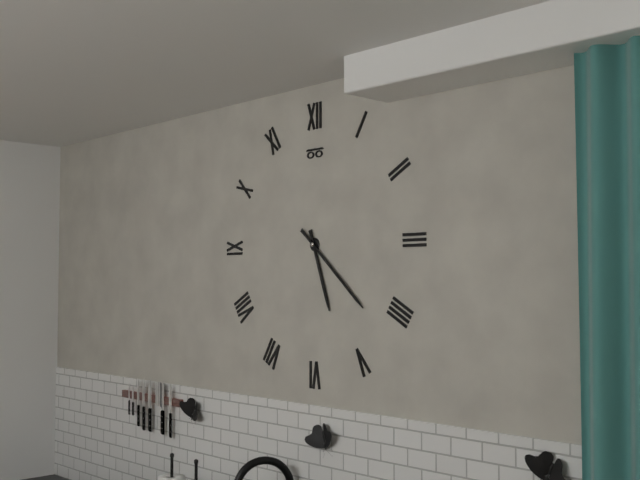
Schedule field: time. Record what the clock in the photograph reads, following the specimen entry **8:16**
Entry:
**5:22**
